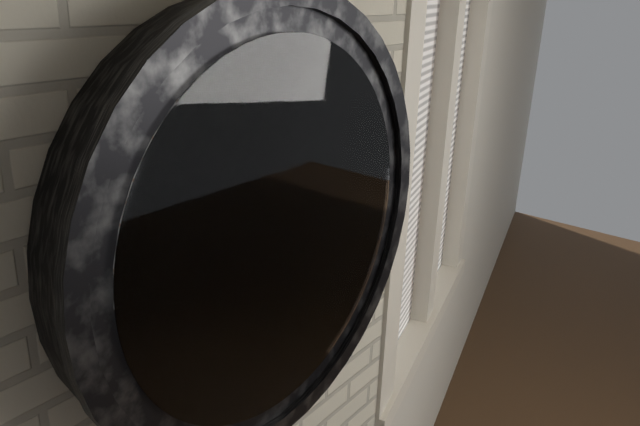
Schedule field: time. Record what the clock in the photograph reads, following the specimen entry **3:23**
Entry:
**4:20**
